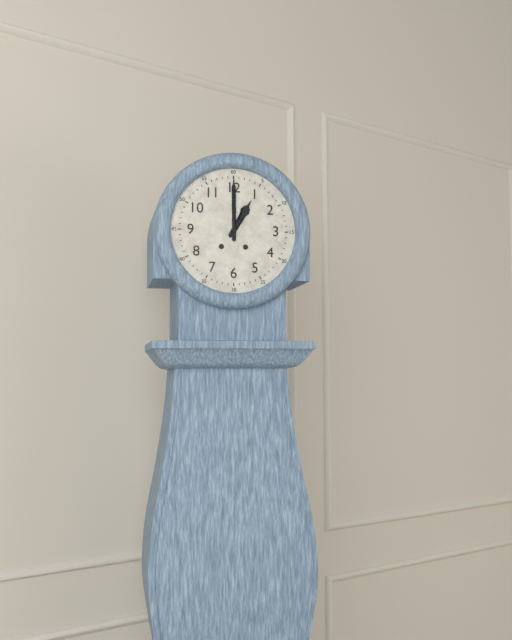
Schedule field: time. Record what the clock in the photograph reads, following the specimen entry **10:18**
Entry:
**1:00**
